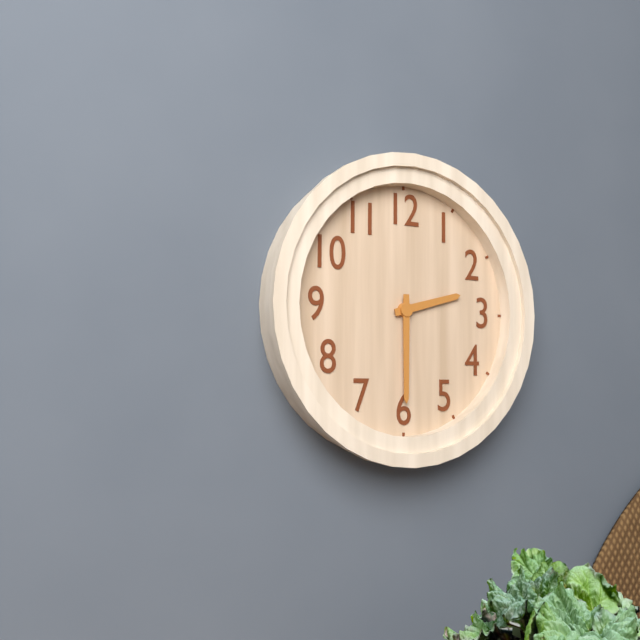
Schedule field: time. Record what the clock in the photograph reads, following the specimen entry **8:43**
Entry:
**2:30**
